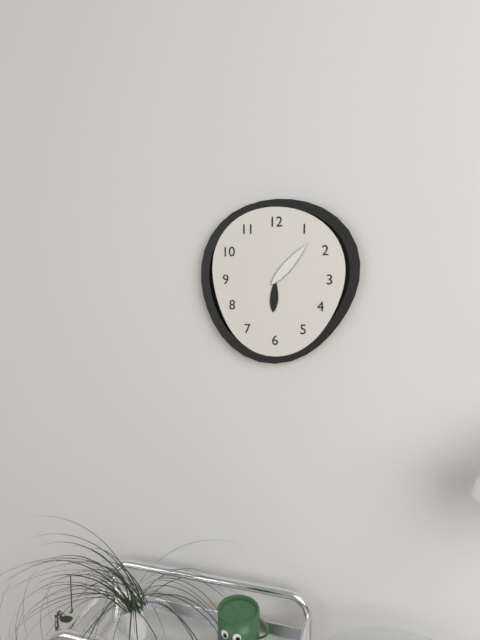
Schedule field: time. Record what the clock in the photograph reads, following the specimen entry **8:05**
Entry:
**6:07**
